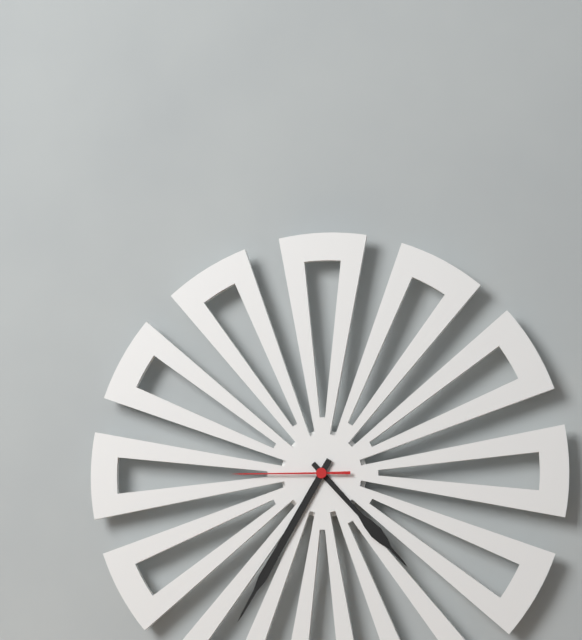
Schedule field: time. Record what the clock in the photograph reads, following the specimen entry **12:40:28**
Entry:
**4:35:45**
